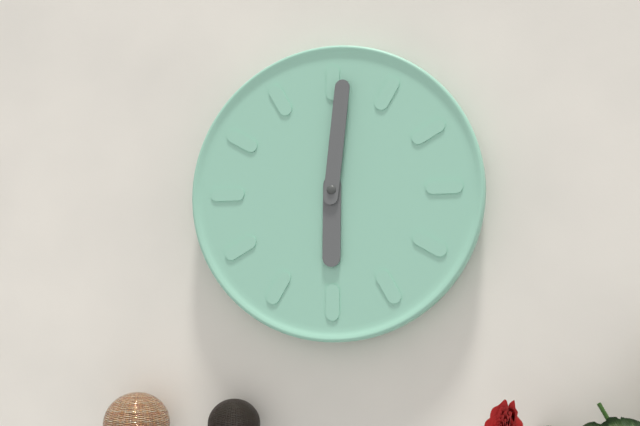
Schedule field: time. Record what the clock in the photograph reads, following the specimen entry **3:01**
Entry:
**6:01**
